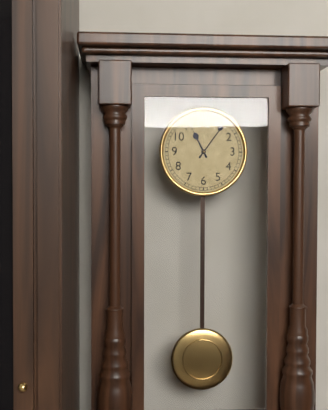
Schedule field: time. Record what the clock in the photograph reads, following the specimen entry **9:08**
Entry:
**11:06**
